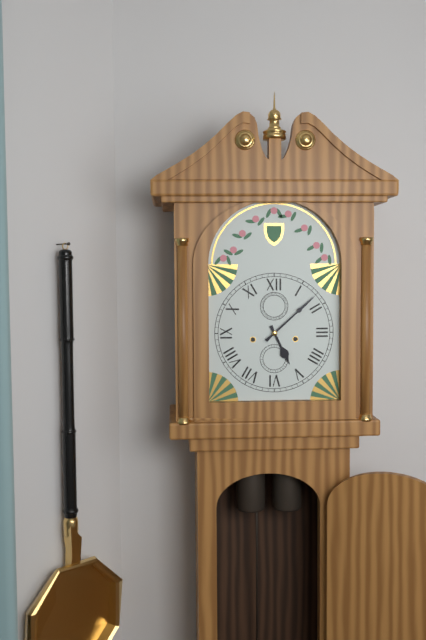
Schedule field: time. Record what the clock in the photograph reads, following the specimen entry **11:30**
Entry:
**5:08**
